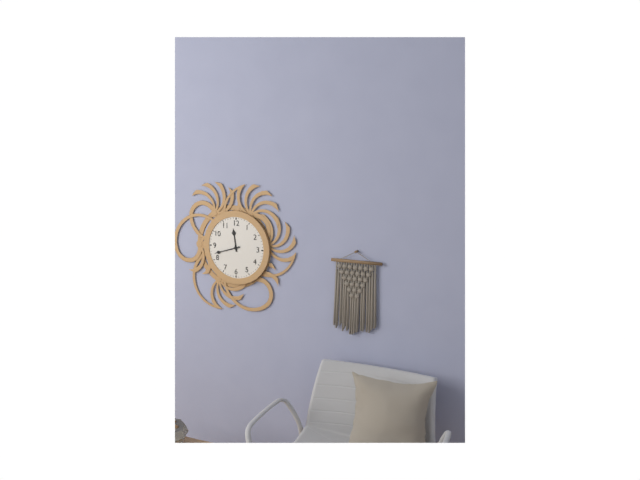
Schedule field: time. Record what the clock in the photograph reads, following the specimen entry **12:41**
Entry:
**11:42**
